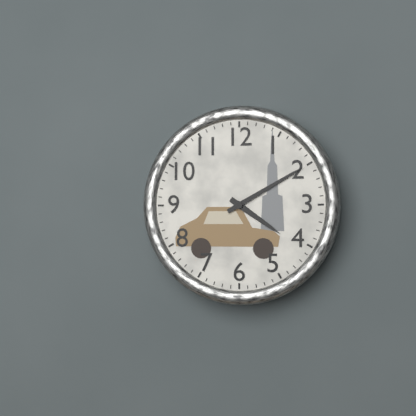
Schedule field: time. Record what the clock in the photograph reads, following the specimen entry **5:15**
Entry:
**4:10**
